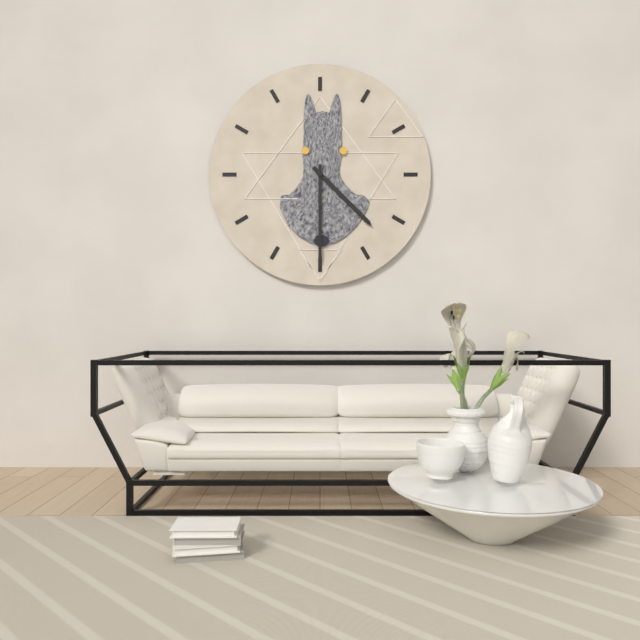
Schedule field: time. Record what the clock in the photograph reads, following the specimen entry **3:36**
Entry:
**4:30**
